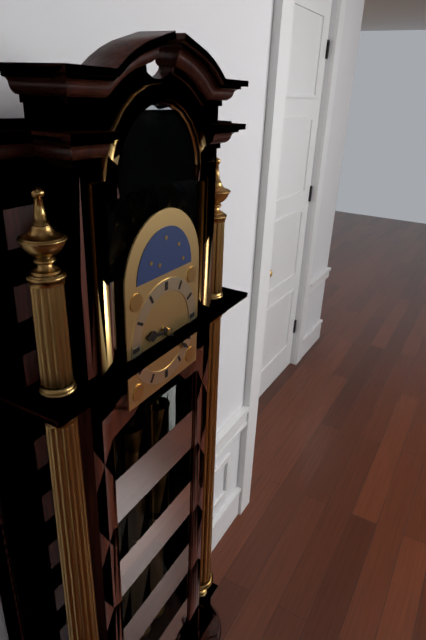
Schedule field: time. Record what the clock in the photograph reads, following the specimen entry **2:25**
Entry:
**9:22**
